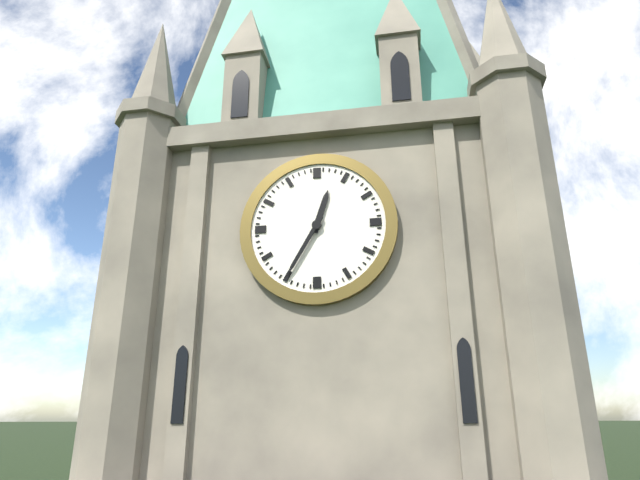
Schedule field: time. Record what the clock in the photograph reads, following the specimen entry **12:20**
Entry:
**12:35**
